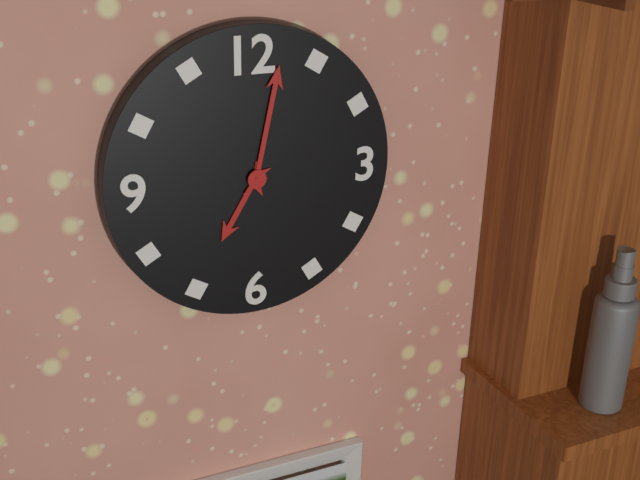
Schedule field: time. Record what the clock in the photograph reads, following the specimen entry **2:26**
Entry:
**7:02**
